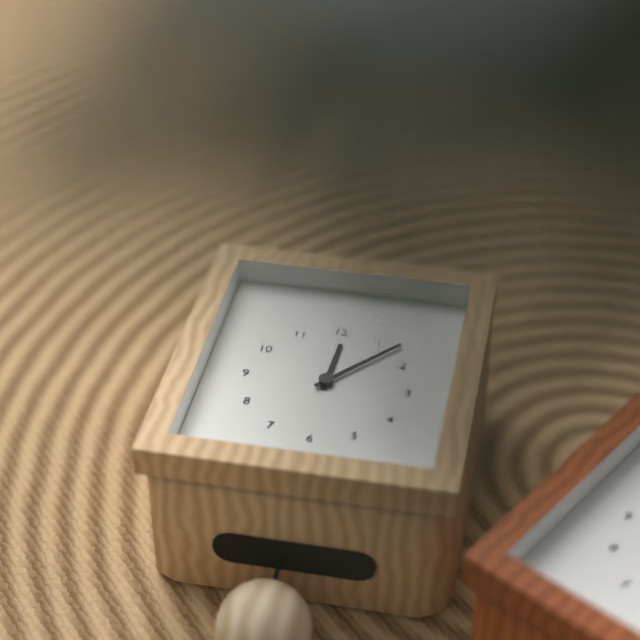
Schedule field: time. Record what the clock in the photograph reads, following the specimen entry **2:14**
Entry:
**12:07**
